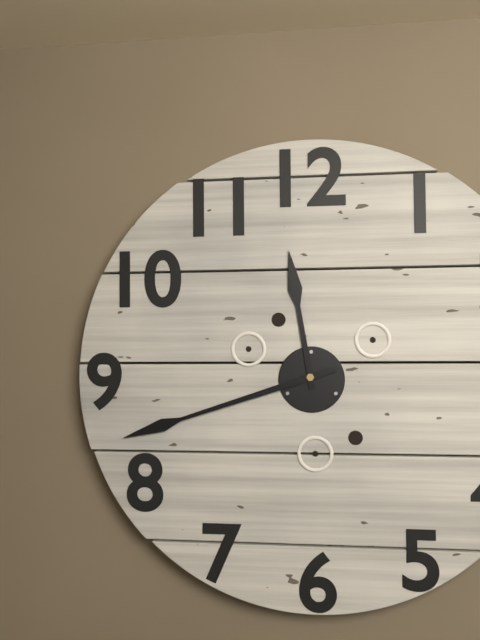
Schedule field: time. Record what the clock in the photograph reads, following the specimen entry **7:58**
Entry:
**11:42**
